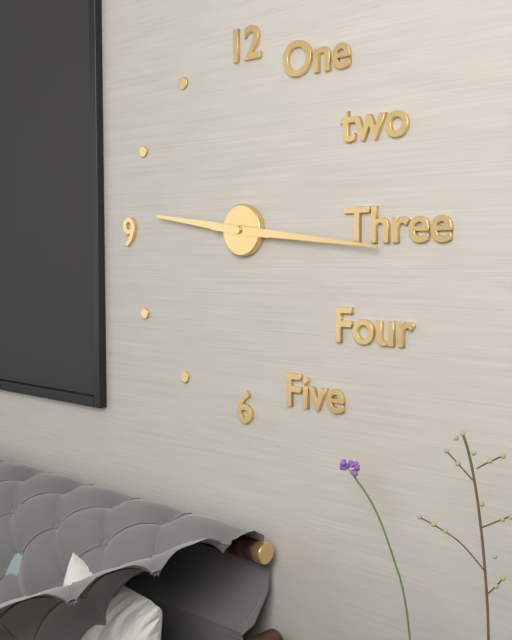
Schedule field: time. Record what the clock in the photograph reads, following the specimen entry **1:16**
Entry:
**9:16**
